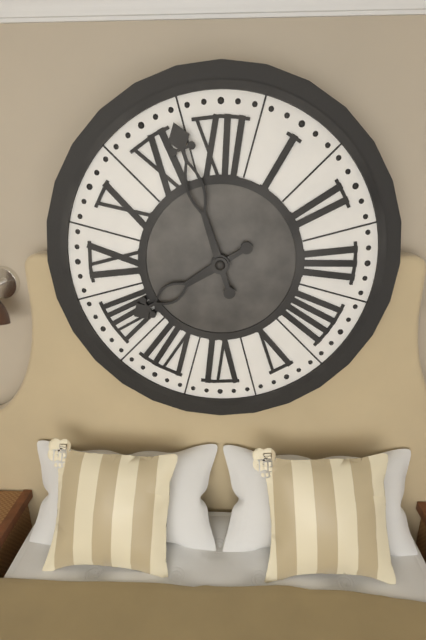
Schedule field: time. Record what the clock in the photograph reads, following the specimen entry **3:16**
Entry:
**7:57**
